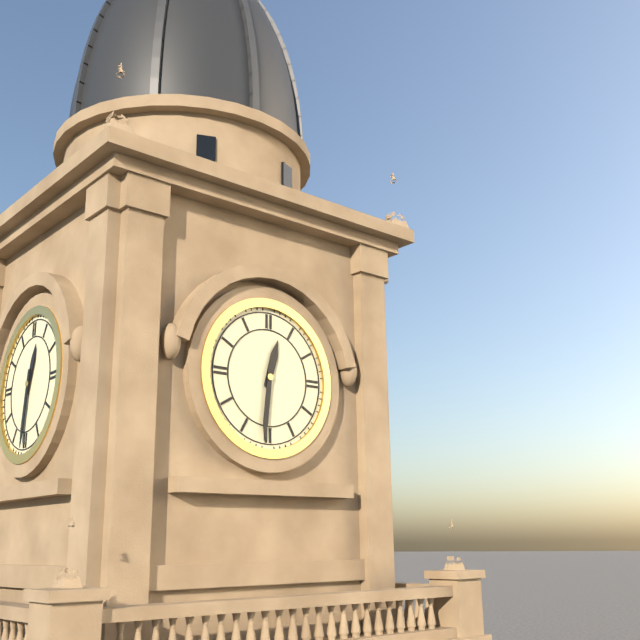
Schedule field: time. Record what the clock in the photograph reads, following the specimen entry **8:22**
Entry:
**12:31**
